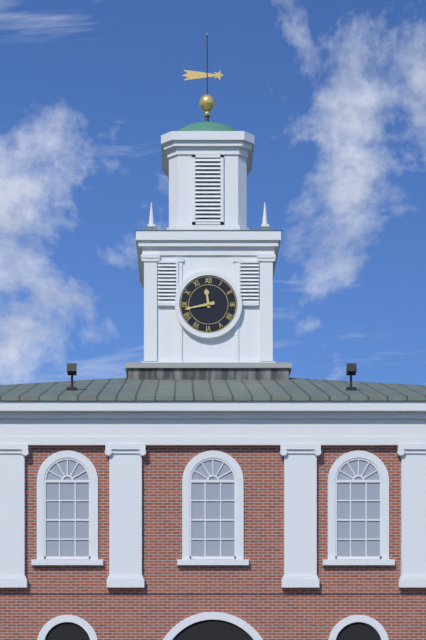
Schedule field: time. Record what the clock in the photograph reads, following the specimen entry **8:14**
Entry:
**11:43**
